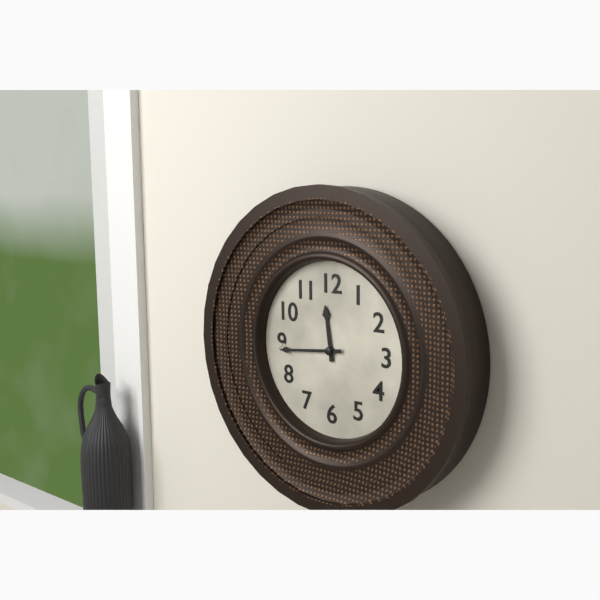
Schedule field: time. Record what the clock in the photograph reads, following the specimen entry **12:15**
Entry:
**11:44**
